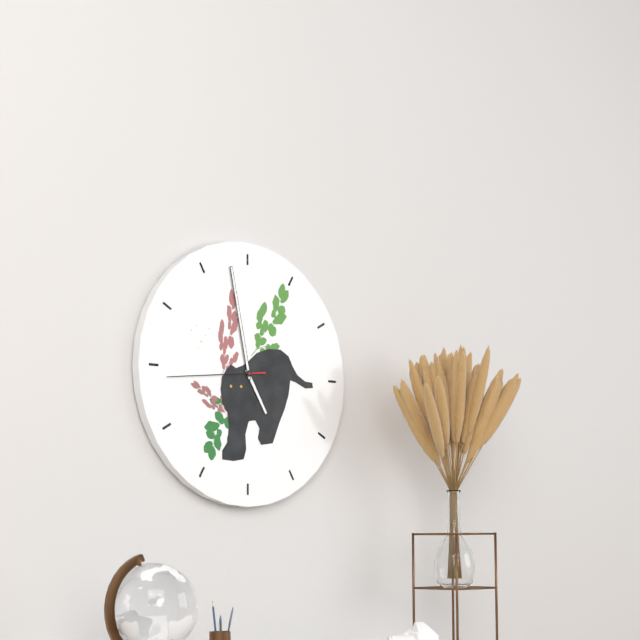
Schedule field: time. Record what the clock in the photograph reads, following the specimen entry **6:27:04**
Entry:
**4:58:44**
